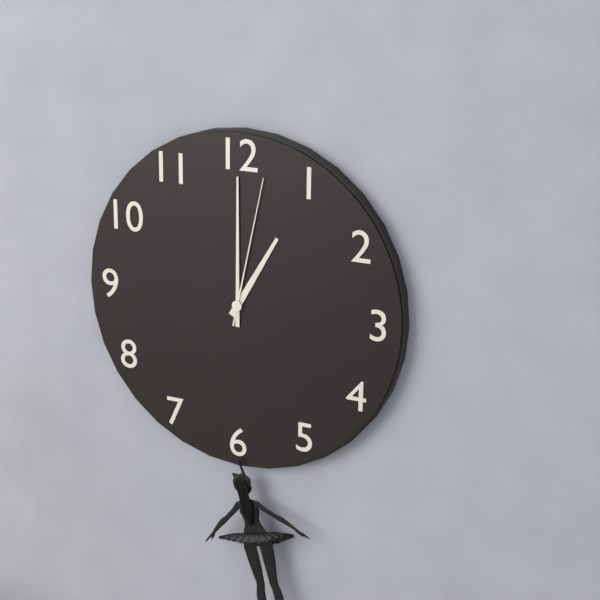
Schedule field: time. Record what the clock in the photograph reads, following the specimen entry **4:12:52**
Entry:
**1:00:02**
